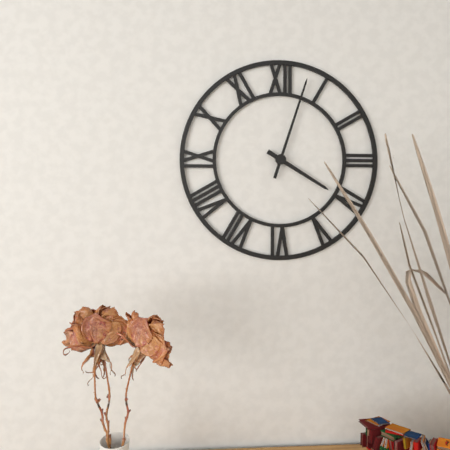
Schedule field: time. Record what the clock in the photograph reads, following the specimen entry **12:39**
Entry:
**4:03**
